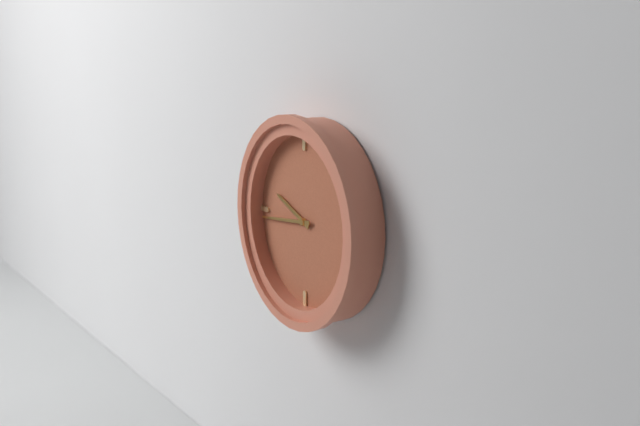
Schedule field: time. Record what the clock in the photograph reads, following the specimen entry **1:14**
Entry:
**9:44**
